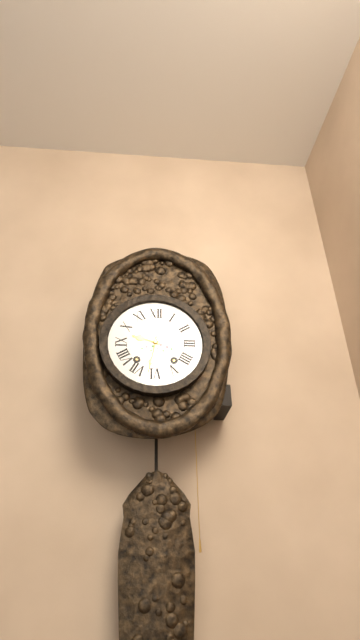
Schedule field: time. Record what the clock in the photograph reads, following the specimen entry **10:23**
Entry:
**9:32**
